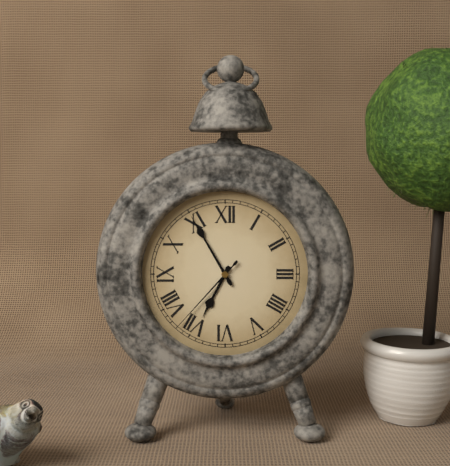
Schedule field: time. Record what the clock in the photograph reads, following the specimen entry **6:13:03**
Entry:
**6:55:37**
